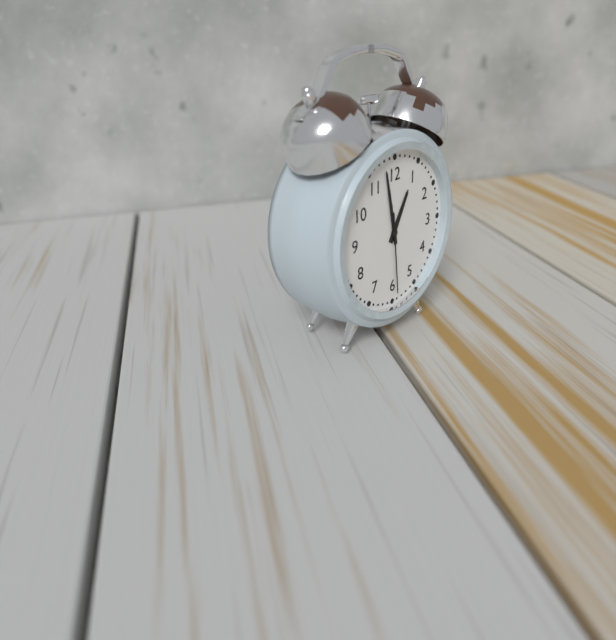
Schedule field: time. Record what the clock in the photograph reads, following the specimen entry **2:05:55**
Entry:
**12:58:29**
